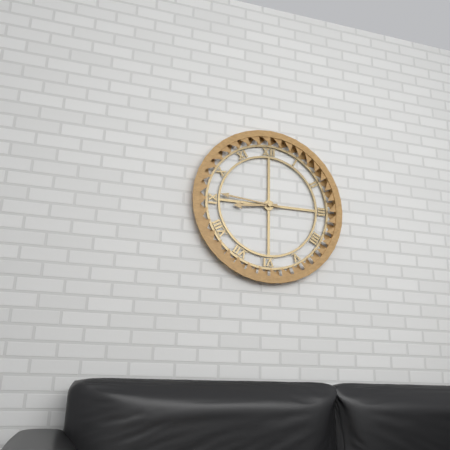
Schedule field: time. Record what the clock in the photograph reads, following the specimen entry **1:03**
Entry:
**8:46**
